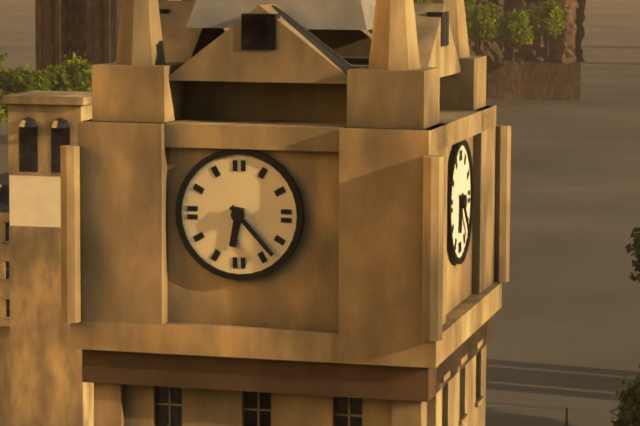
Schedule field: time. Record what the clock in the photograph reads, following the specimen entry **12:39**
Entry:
**6:23**
